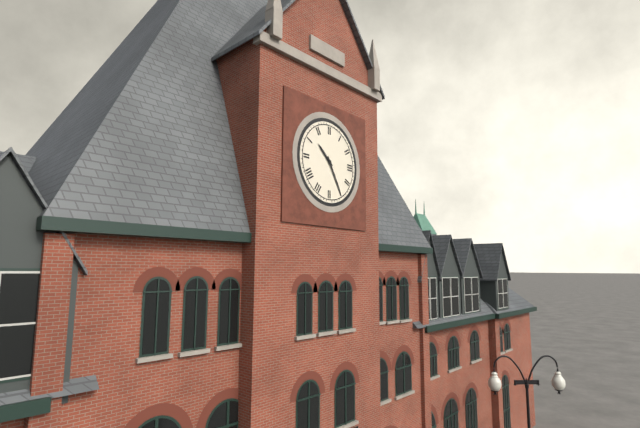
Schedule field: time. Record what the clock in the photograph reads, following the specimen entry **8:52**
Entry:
**10:25**
